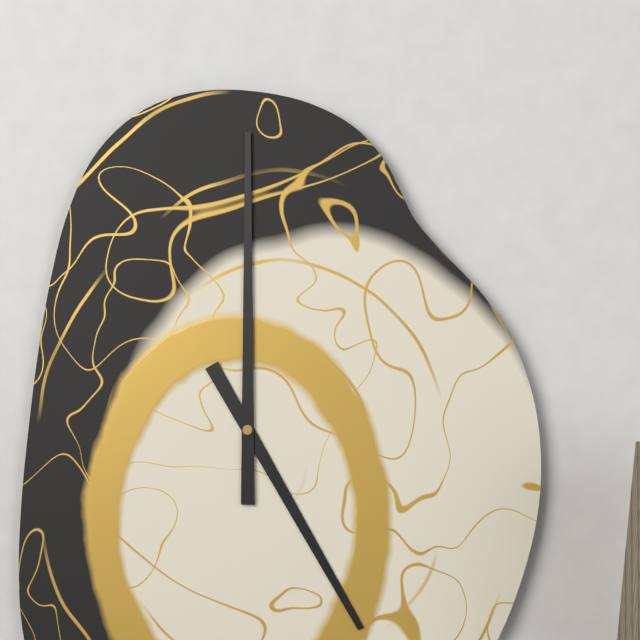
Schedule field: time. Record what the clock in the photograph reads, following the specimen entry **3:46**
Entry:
**5:00**
